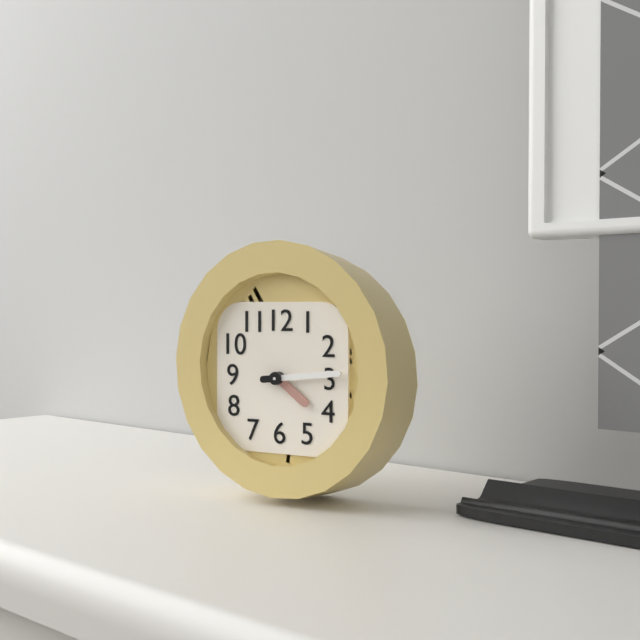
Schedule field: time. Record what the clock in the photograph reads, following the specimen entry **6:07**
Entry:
**4:14**
